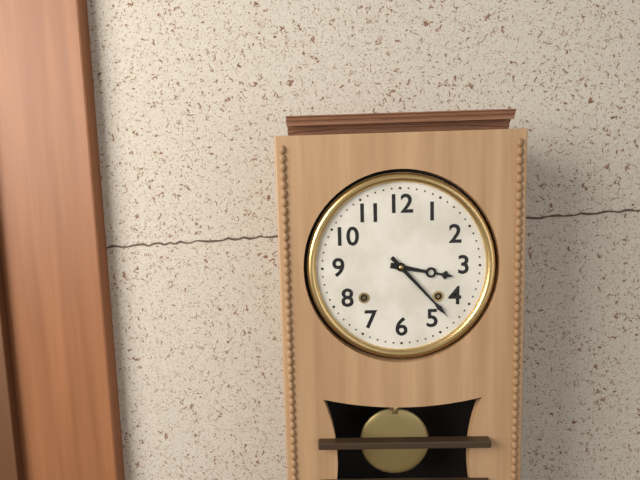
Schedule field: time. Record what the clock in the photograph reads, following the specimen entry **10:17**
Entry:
**3:23**
